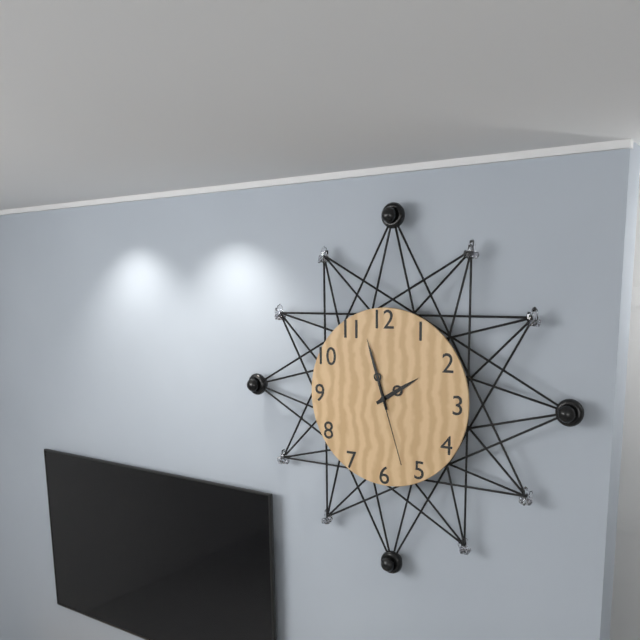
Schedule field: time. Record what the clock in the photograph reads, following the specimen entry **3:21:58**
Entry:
**1:57:27**
